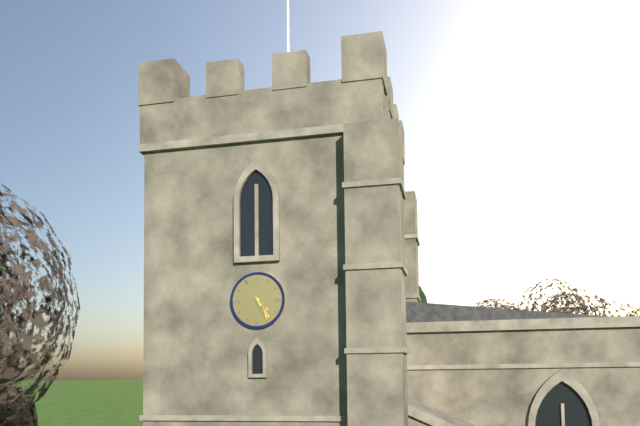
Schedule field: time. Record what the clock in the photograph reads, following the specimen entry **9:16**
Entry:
**4:25**
